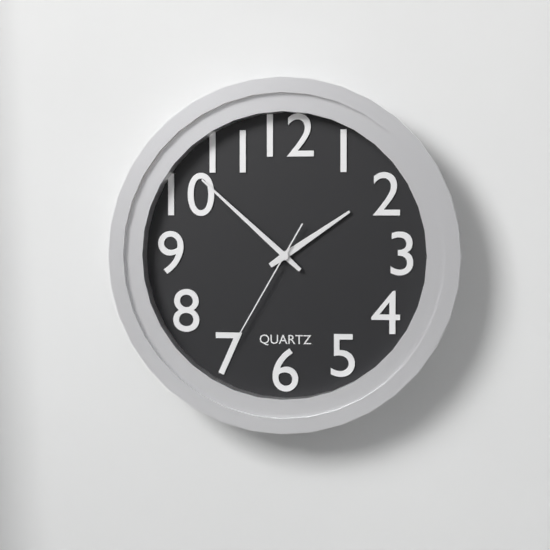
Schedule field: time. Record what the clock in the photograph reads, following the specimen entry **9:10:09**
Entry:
**1:52:35**
